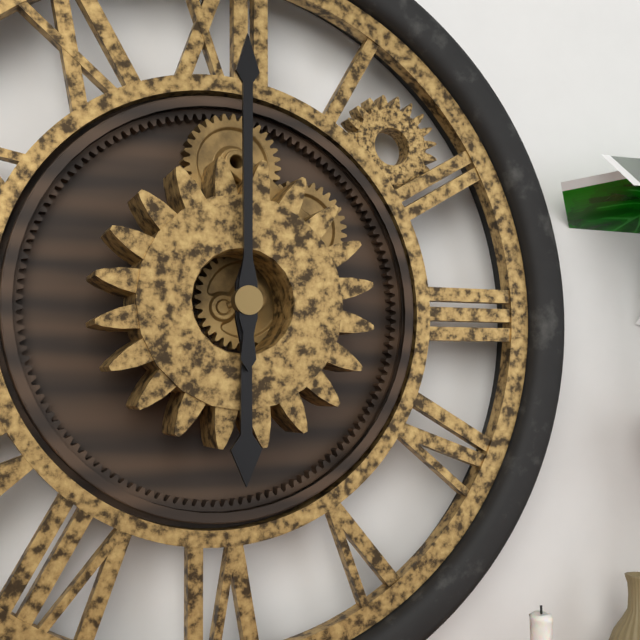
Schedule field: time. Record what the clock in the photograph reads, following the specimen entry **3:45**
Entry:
**6:00**
